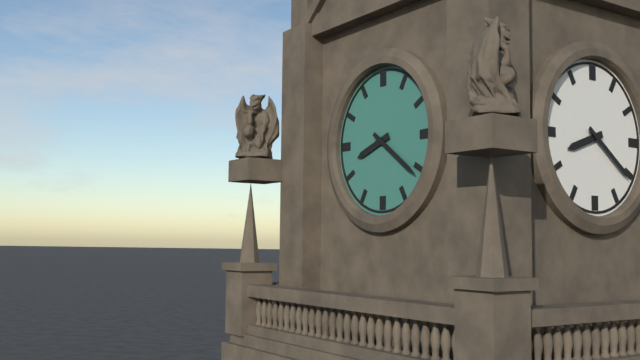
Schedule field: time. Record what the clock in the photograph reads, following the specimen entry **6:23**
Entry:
**8:21**
